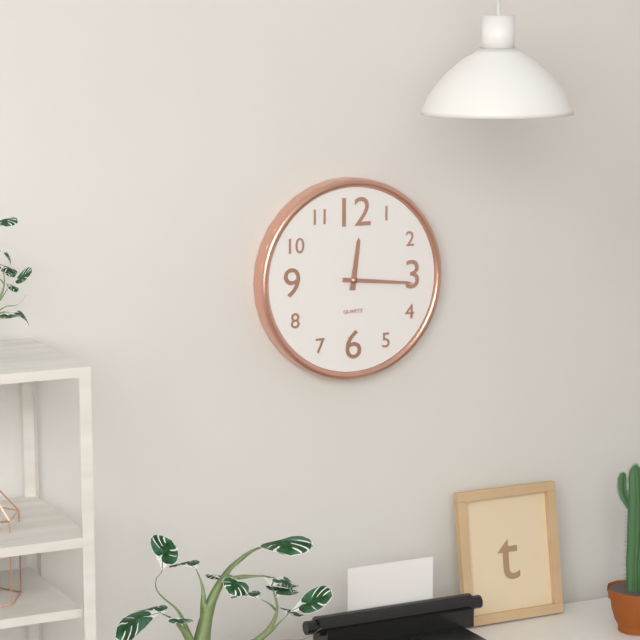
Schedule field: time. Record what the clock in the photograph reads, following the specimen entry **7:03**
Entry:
**12:16**
